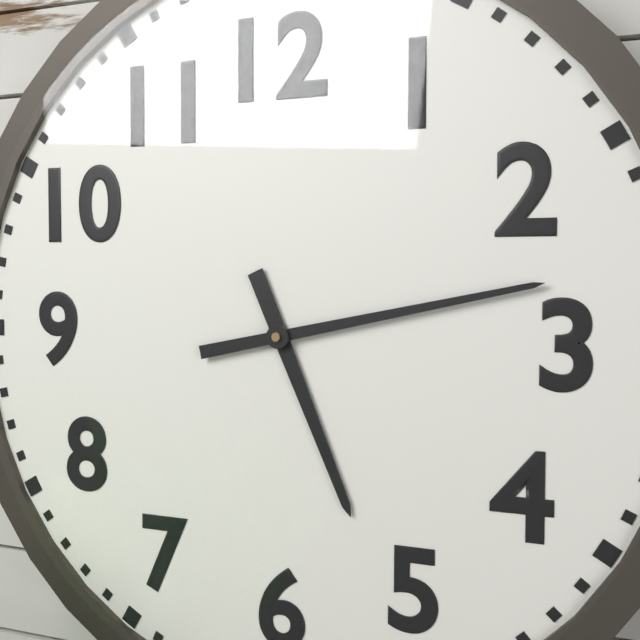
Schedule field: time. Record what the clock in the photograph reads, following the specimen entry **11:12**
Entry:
**5:13**
